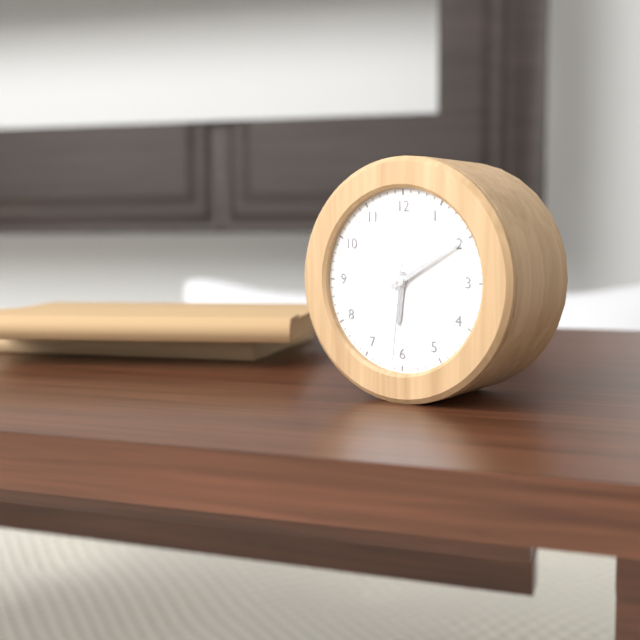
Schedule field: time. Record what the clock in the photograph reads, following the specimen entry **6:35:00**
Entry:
**6:10:31**
